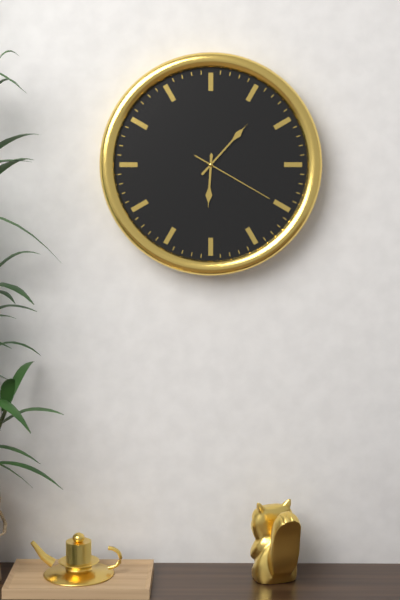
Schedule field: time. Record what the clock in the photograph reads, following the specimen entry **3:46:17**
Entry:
**6:07:20**
